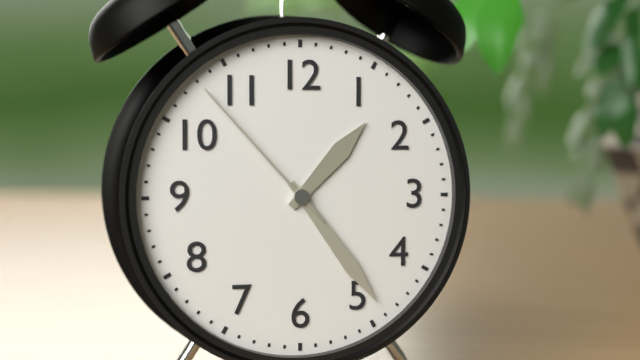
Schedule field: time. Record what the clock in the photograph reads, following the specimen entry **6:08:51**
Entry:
**1:24:53**
